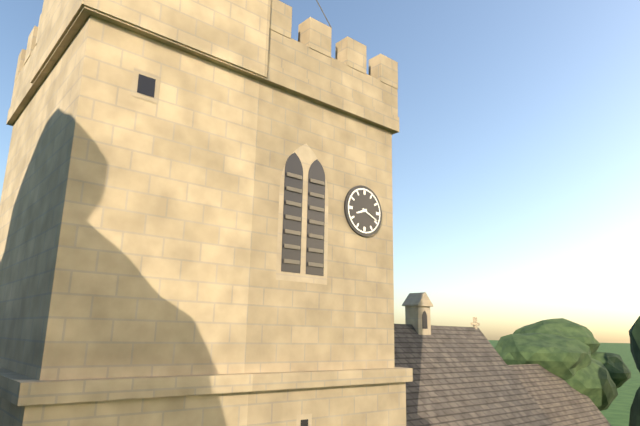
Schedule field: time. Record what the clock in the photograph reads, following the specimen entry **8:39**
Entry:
**8:19**
